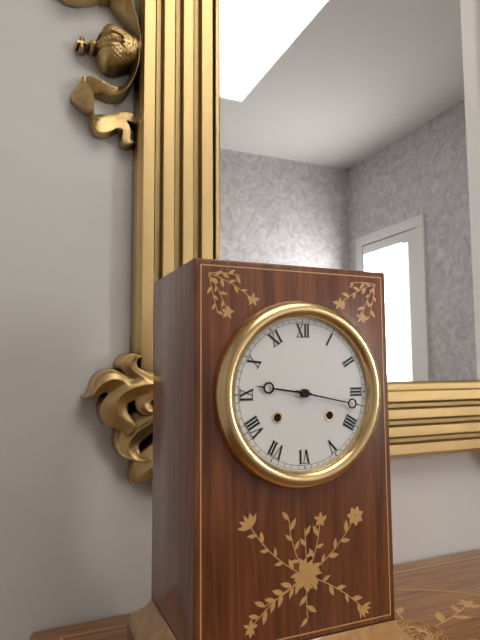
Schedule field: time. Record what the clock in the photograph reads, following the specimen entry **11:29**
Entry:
**9:17**
